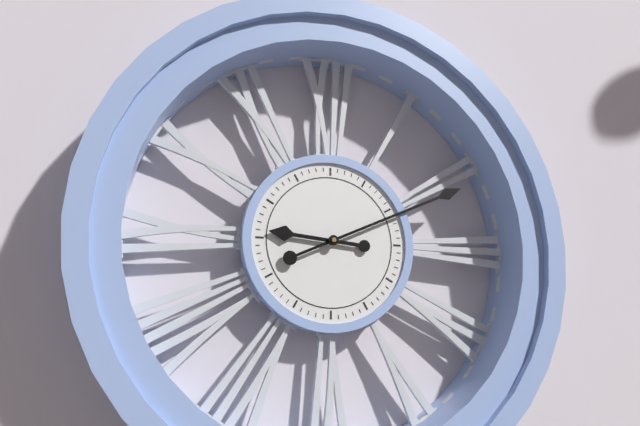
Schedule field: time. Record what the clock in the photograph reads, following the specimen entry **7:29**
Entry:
**9:11**
